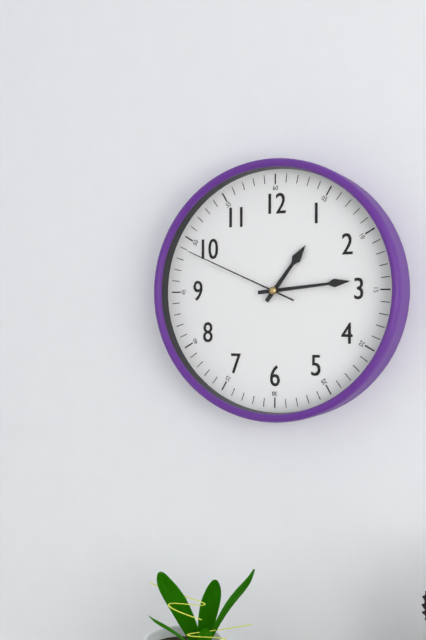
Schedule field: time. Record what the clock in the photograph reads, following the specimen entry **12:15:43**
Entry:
**1:14:49**
